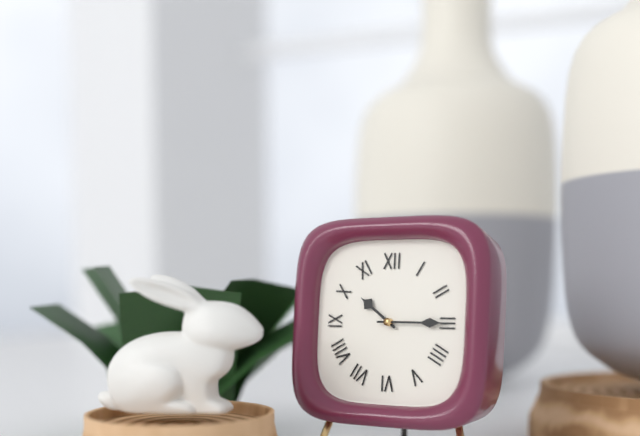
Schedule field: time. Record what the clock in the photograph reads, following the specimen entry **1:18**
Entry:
**10:15**
